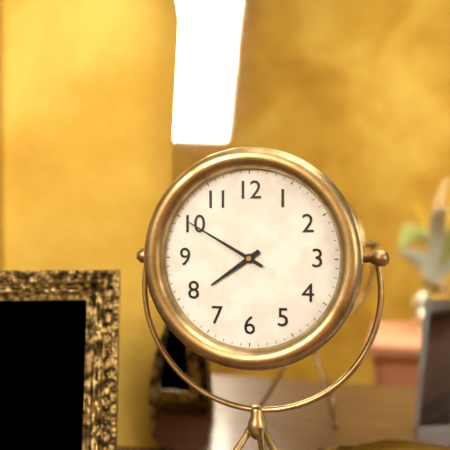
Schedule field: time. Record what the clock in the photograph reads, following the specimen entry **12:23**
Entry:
**7:50**
